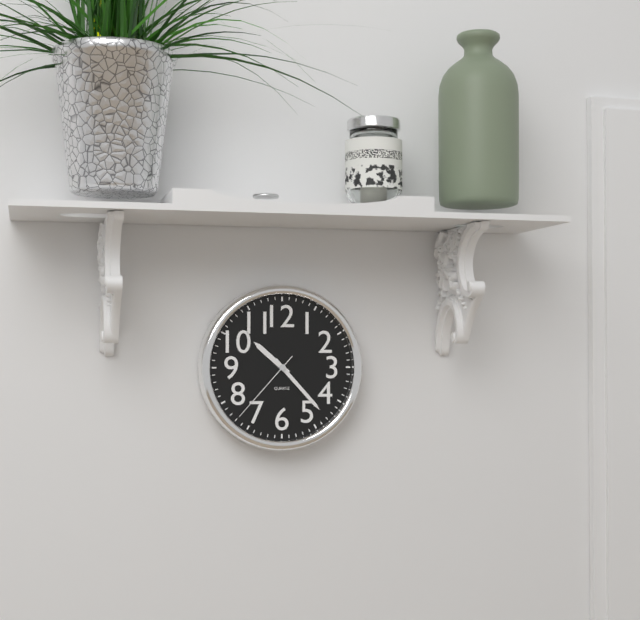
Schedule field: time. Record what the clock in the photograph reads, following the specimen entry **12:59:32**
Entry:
**10:23:37**
